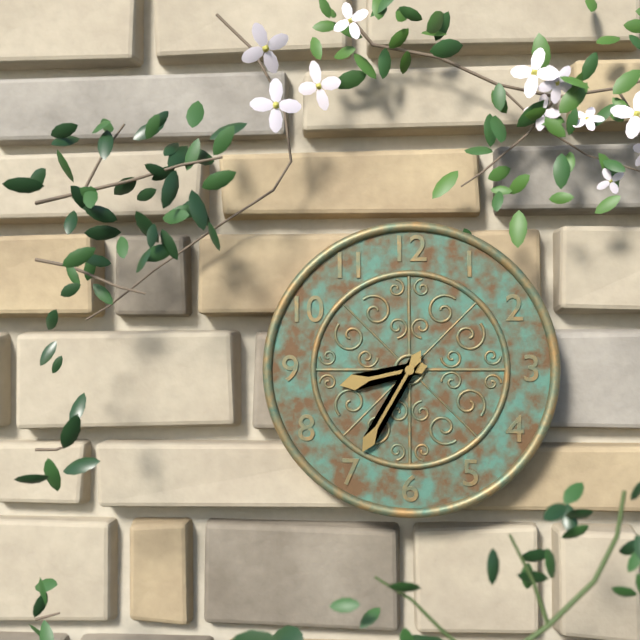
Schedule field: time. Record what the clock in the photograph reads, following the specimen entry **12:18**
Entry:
**8:35**
